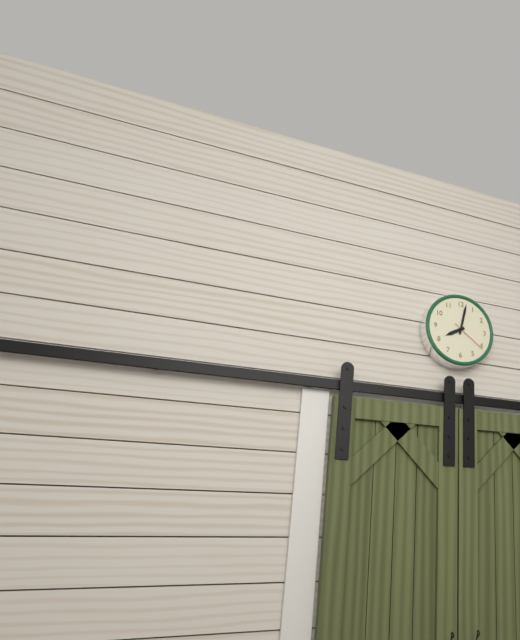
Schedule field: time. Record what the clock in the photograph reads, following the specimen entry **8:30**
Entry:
**8:02**
